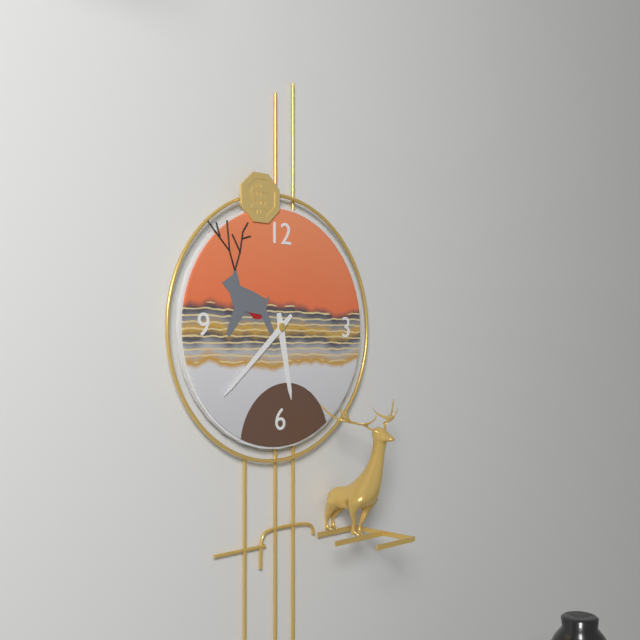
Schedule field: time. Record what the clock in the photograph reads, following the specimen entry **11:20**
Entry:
**5:38**
